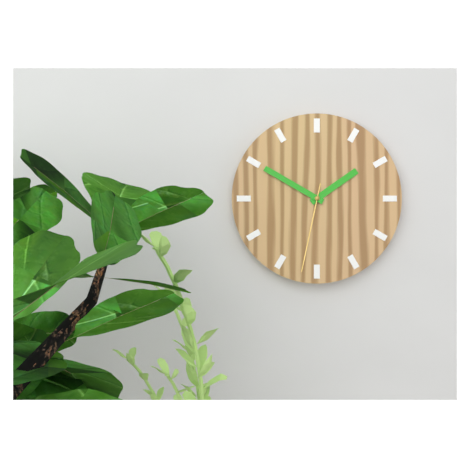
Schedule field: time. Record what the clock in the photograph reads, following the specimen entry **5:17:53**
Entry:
**1:50:32**
